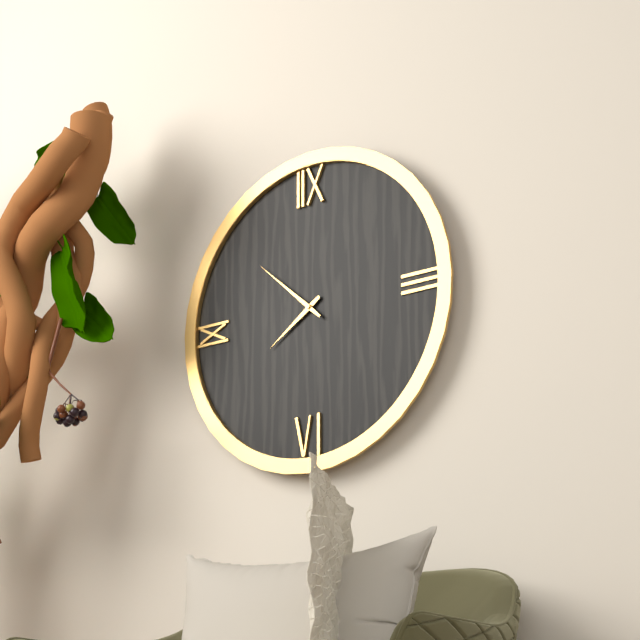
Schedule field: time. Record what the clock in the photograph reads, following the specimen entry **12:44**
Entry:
**7:52**
